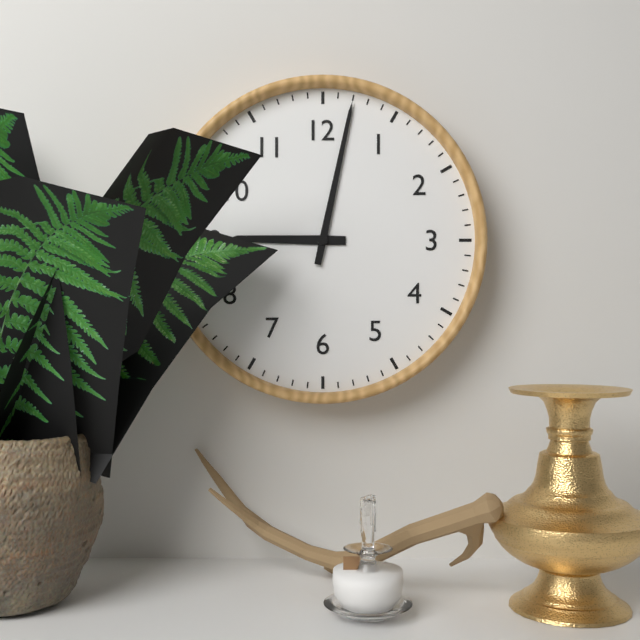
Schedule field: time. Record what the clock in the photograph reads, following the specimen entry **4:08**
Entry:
**9:02**
